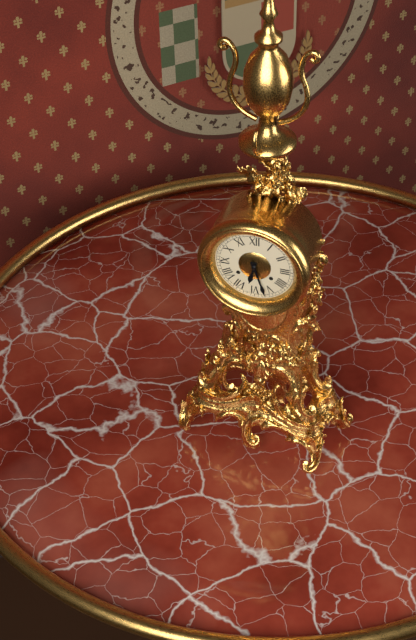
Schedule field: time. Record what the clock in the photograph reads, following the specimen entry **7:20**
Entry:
**6:27**
